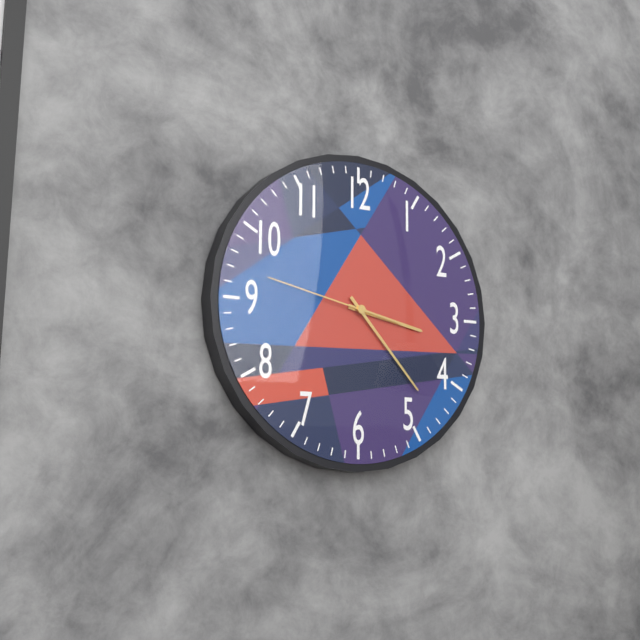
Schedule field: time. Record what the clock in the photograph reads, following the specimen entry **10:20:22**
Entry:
**3:23:47**
